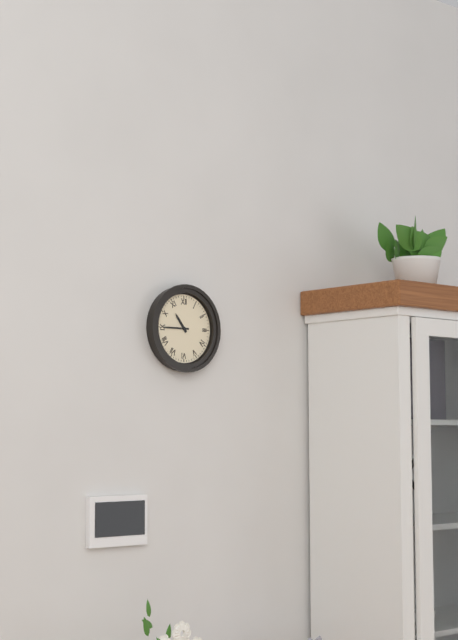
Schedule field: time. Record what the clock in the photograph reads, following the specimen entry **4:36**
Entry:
**10:45**
